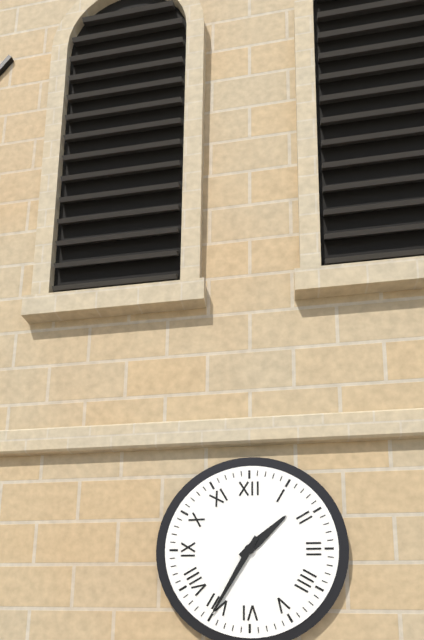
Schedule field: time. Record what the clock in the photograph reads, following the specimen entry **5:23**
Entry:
**1:35**
